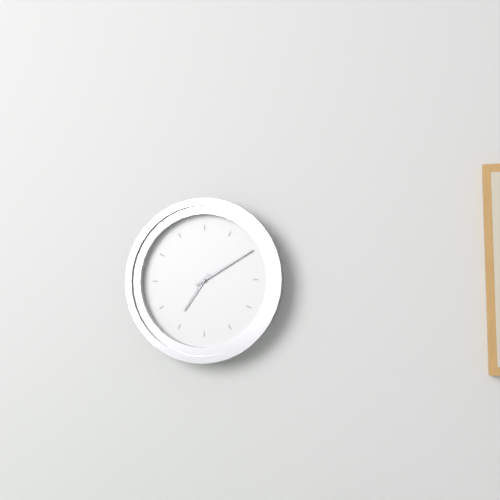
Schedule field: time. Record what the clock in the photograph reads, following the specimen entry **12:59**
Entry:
**7:10**
